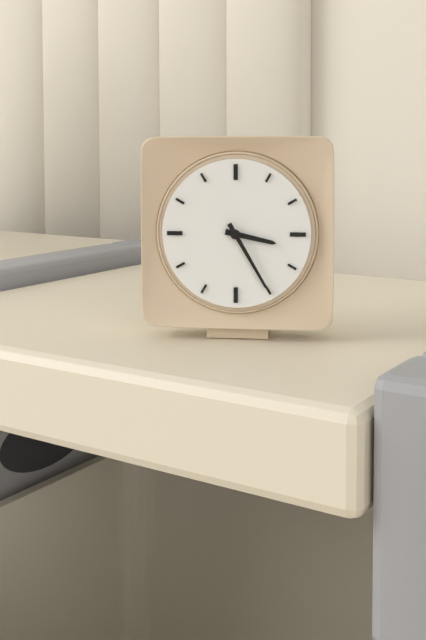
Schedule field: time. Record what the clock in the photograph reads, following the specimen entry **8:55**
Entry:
**3:25**
